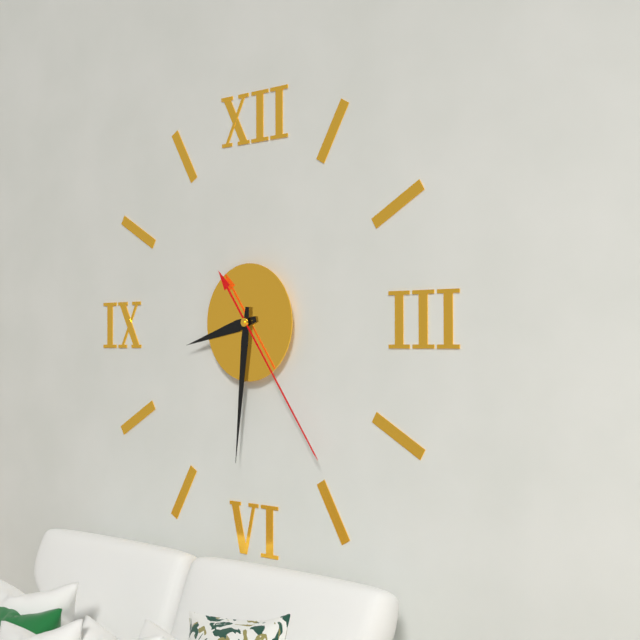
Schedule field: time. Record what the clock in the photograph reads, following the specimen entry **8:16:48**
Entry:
**8:31:24**
